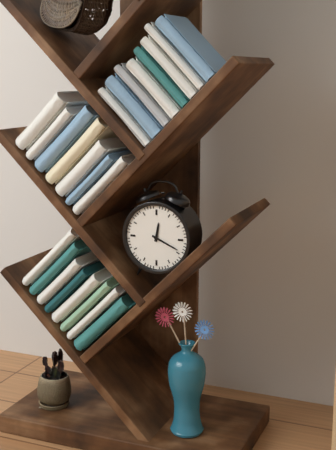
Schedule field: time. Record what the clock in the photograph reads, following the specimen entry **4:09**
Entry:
**12:19**
